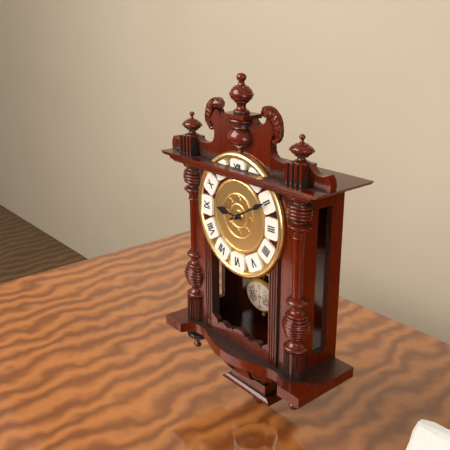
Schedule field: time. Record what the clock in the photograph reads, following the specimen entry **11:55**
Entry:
**9:10**
